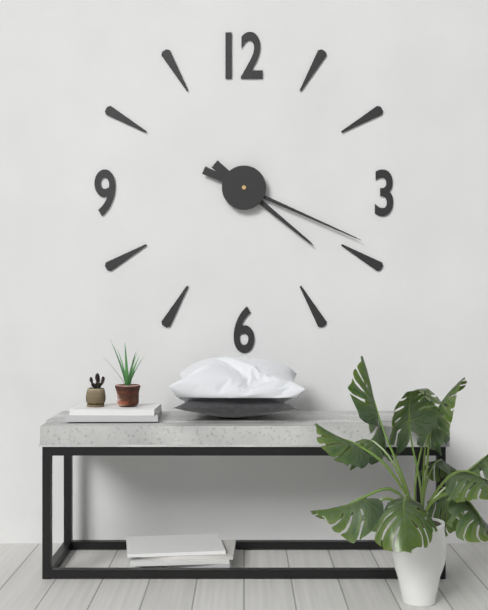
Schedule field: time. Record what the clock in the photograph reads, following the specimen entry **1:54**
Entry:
**4:19**
